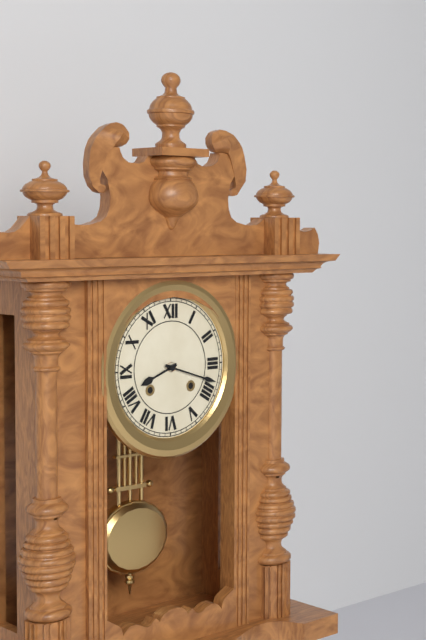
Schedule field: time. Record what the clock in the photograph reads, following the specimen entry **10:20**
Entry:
**8:18**
